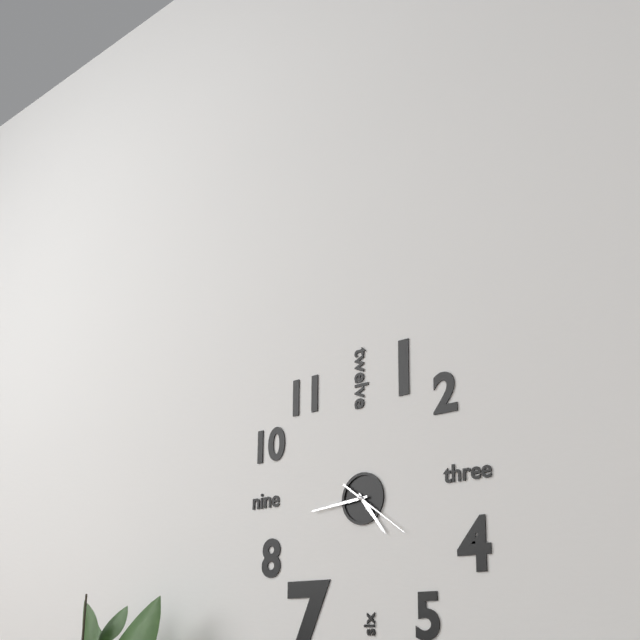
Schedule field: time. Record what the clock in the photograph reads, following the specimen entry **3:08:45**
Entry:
**4:44:21**
